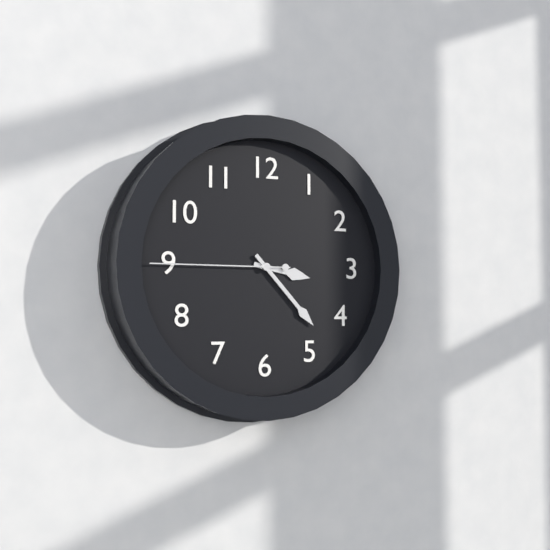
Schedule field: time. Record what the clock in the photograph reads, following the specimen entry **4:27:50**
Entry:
**3:23:45**
